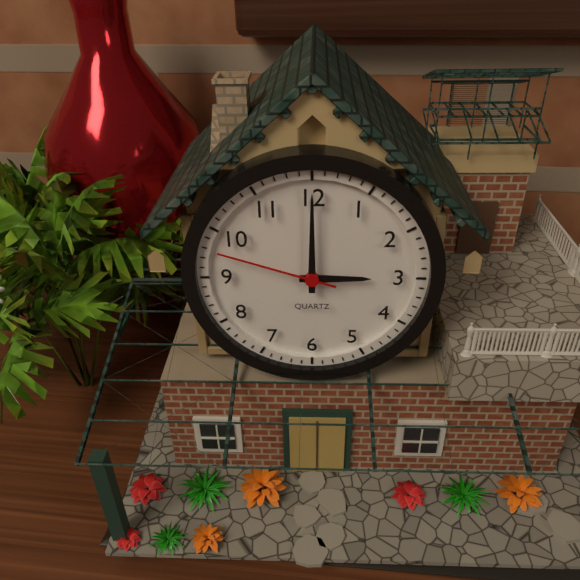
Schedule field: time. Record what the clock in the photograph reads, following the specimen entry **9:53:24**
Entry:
**3:00:48**
